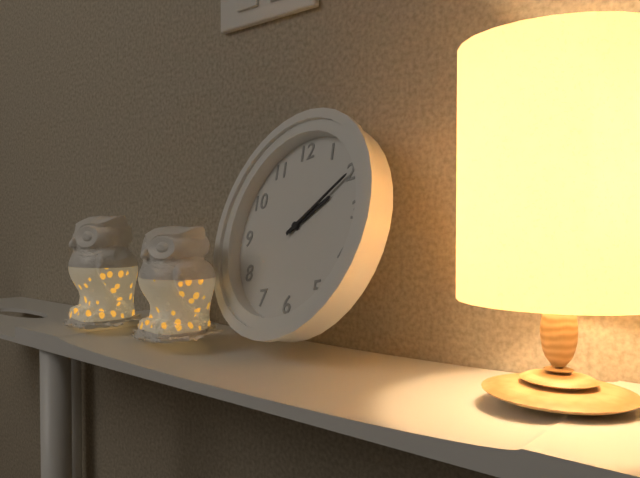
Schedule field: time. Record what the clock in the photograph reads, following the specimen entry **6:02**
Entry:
**2:10**
